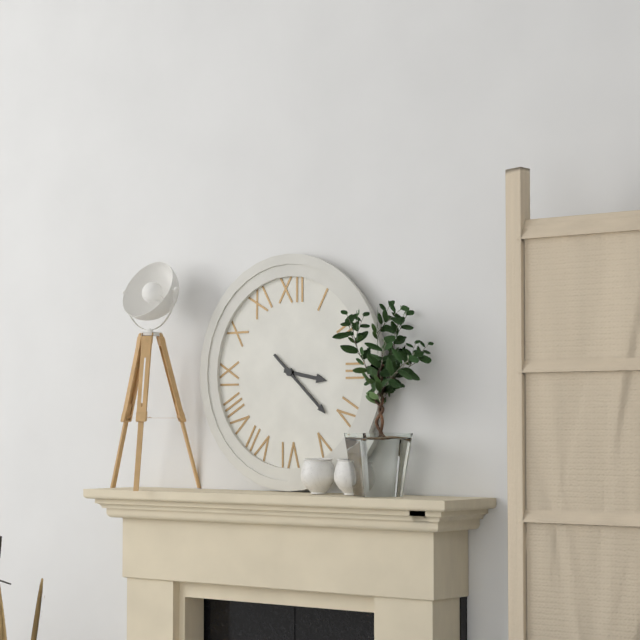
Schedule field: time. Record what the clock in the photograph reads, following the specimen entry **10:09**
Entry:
**3:22**
